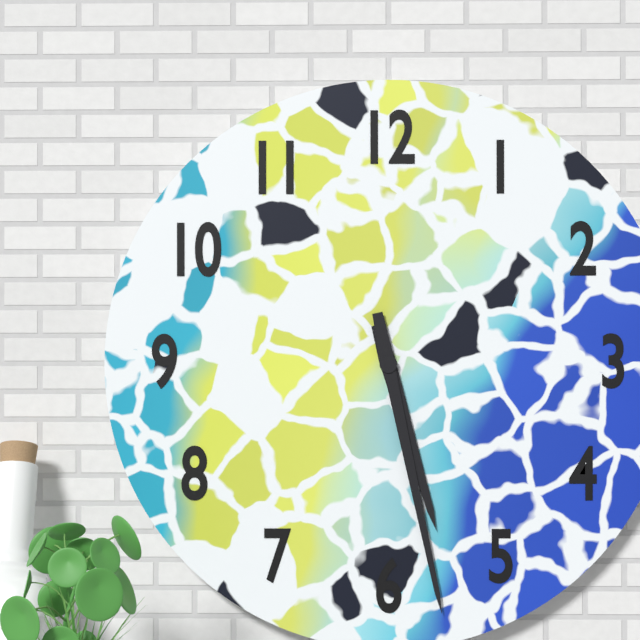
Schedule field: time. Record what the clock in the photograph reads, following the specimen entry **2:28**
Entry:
**5:28**
